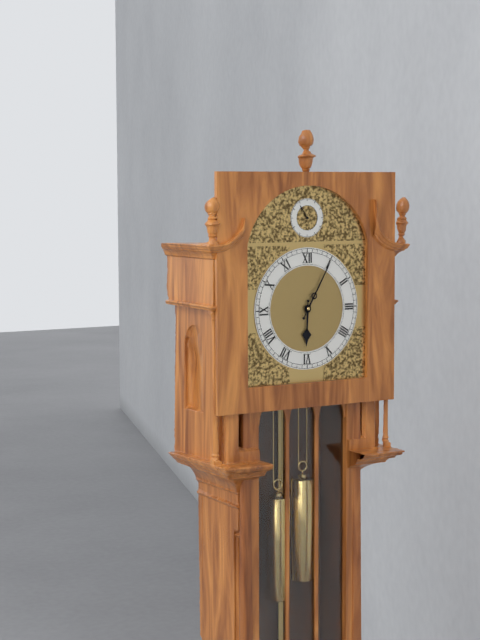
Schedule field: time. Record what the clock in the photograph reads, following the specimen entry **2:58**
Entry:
**6:05**
